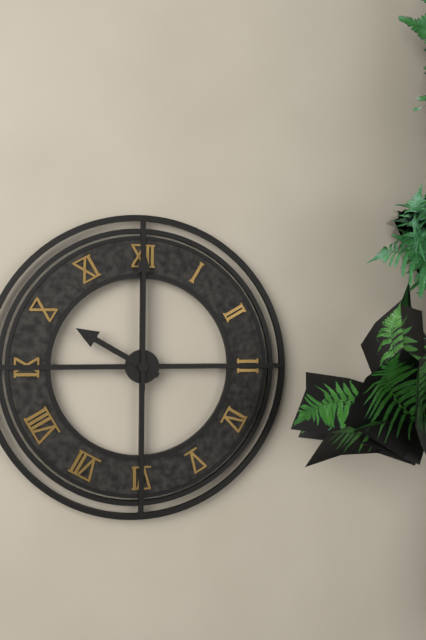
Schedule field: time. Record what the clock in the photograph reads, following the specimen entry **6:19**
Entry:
**10:00**
